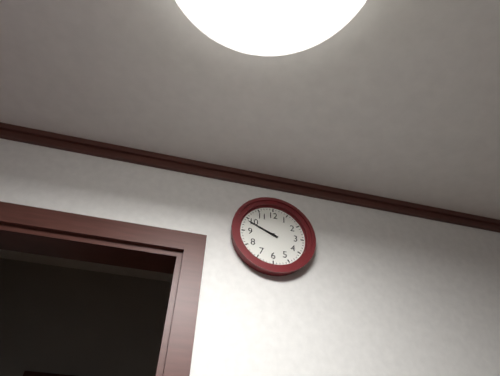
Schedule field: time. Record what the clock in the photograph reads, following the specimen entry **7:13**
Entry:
**9:49**
